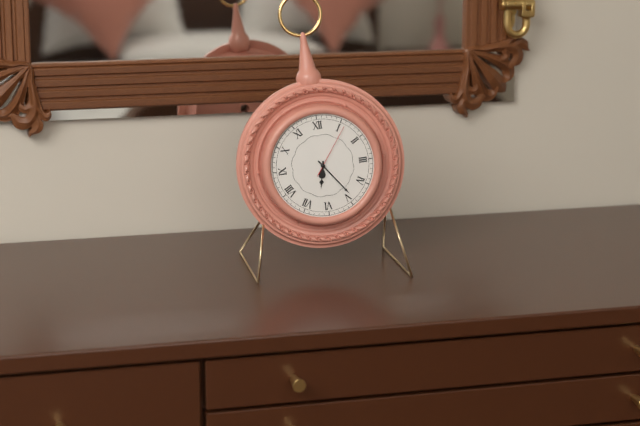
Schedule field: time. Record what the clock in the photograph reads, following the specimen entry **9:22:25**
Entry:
**6:24:06**
